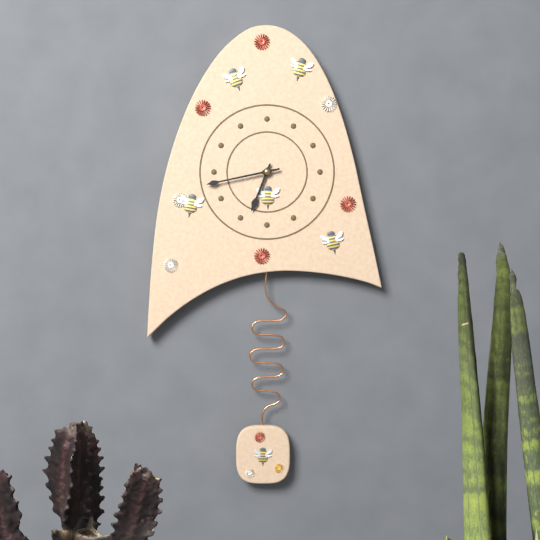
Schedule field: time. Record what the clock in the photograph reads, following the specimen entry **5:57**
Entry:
**6:43**
